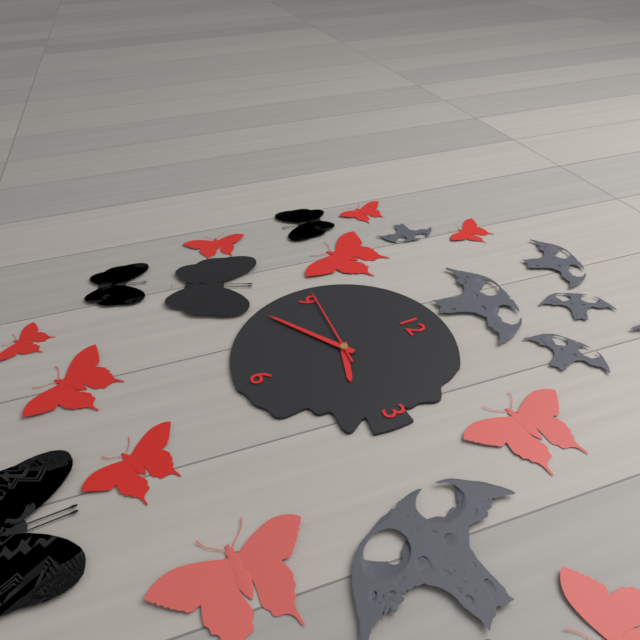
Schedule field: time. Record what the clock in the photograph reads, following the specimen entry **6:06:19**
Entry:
**3:40:46**
